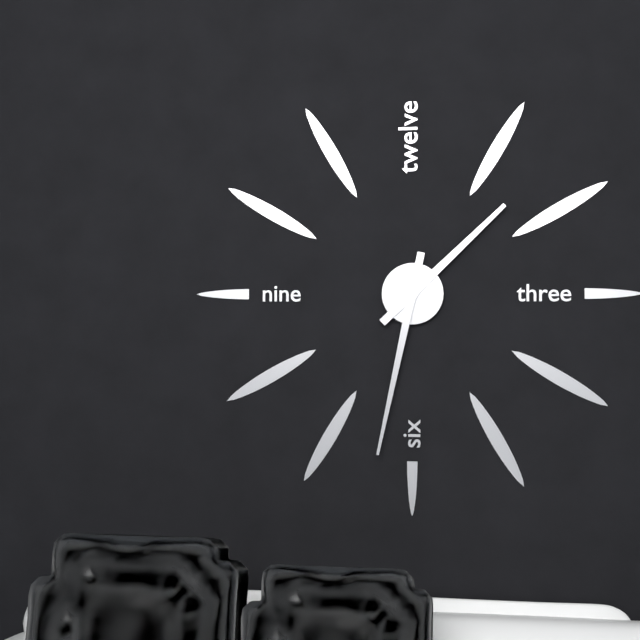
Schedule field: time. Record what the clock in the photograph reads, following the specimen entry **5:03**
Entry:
**1:32**
